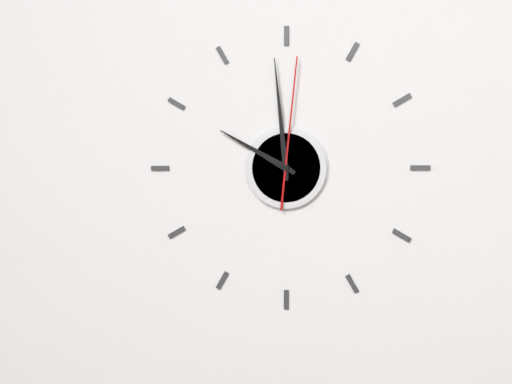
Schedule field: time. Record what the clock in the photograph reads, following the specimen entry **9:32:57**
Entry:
**9:59:01**
